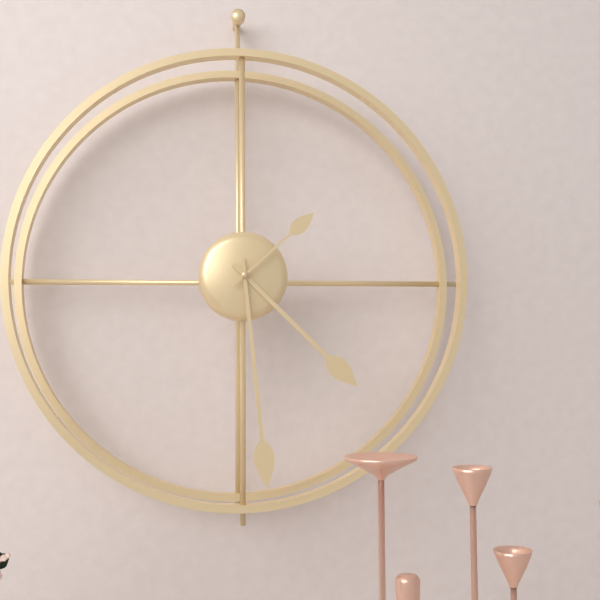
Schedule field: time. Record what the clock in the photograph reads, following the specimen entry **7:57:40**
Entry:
**4:29:08**
